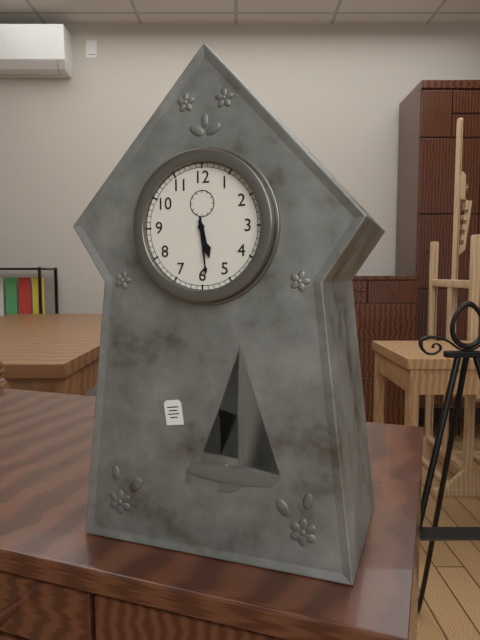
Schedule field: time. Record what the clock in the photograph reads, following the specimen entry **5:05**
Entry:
**5:29**
